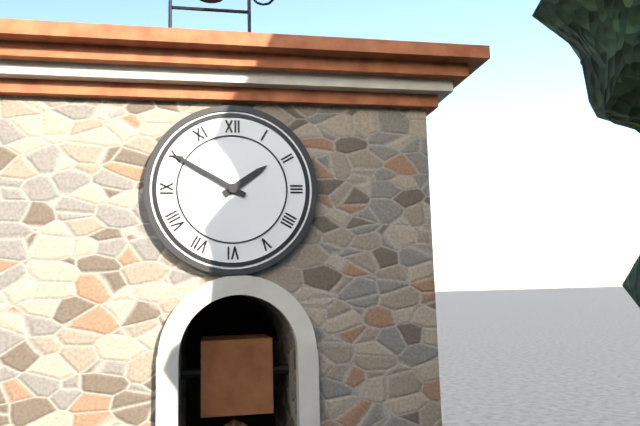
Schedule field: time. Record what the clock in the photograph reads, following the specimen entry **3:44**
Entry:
**1:50**
